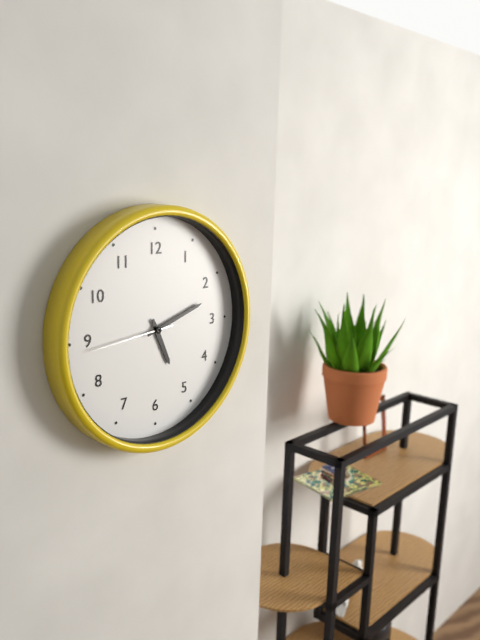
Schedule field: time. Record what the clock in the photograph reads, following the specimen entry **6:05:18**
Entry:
**5:12:44**
